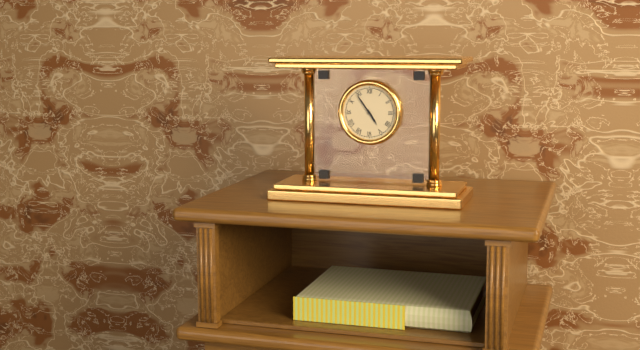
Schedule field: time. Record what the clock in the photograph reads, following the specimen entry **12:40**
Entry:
**4:54**
